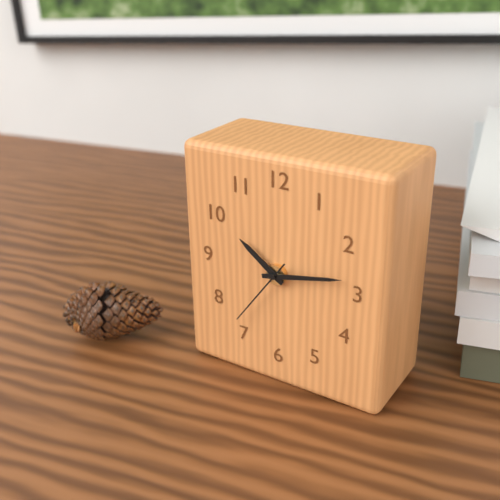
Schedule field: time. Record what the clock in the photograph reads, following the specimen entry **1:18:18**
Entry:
**10:13:36**
